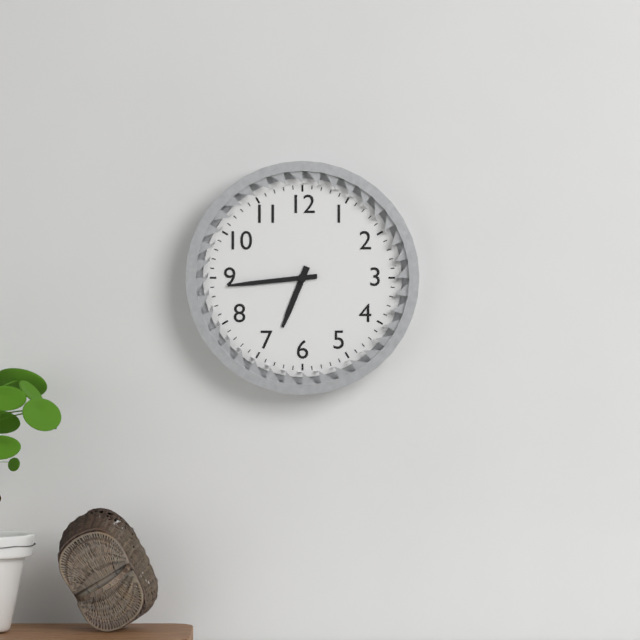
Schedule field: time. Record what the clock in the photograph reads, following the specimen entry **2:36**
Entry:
**6:44**
